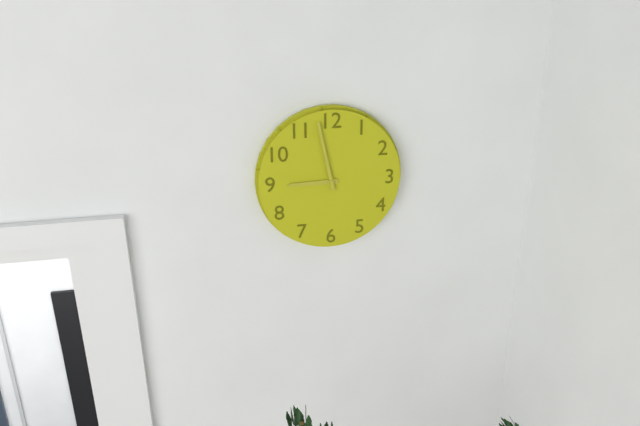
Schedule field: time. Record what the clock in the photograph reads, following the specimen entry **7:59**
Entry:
**8:58**
